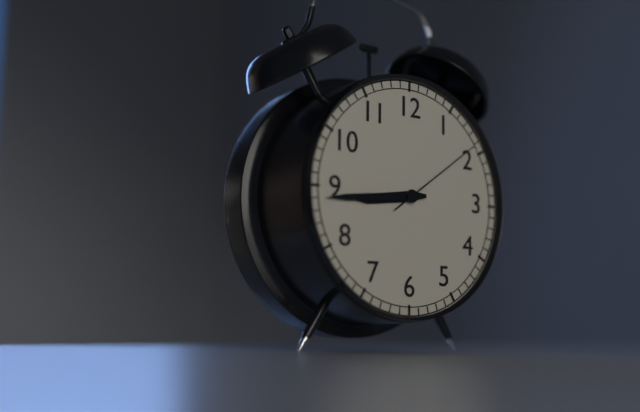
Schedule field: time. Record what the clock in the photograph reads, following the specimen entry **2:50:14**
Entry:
**8:44:09**
